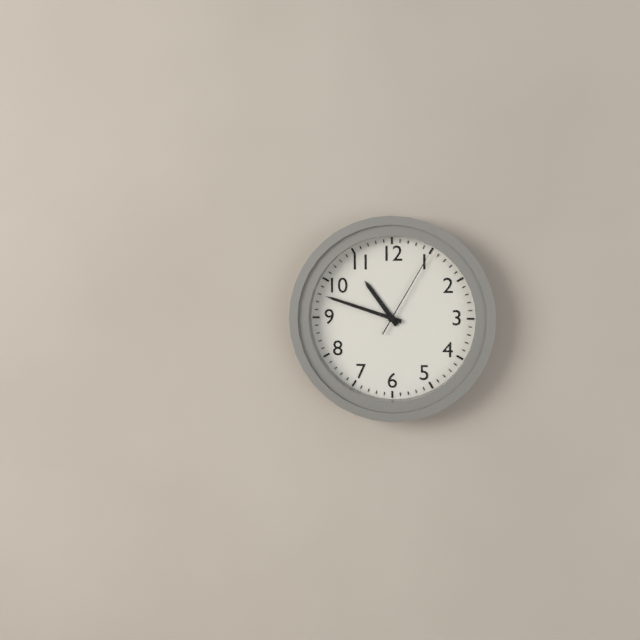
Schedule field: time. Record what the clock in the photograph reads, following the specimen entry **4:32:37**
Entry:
**10:48:05**
